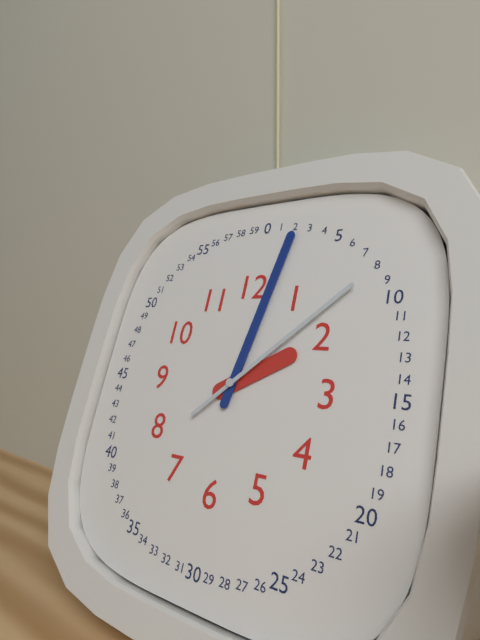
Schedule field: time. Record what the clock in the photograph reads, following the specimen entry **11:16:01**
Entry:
**2:02:08**
